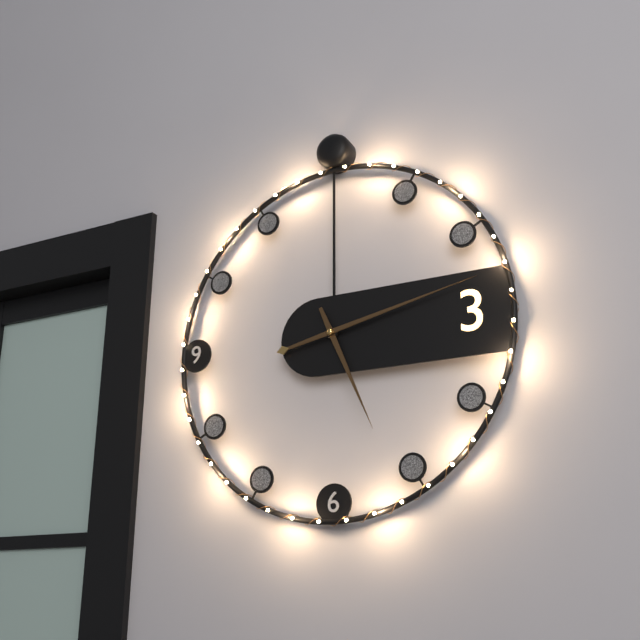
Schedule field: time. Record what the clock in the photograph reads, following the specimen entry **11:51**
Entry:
**5:13**
